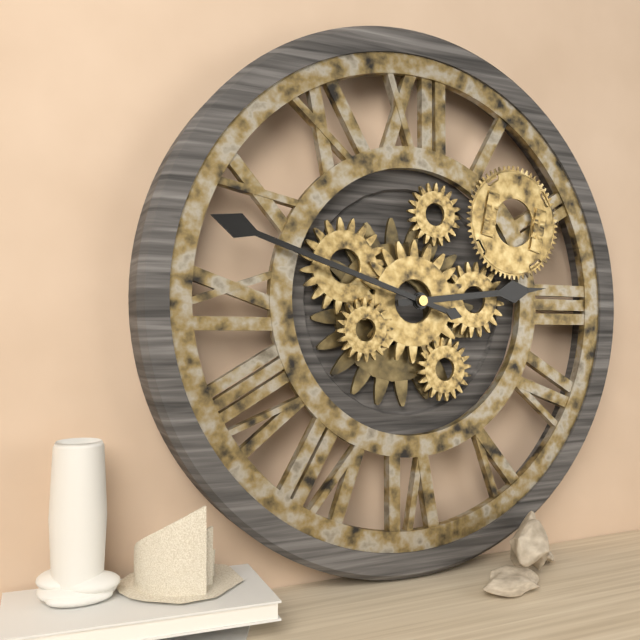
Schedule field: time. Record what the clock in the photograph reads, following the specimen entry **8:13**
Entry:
**2:48**
